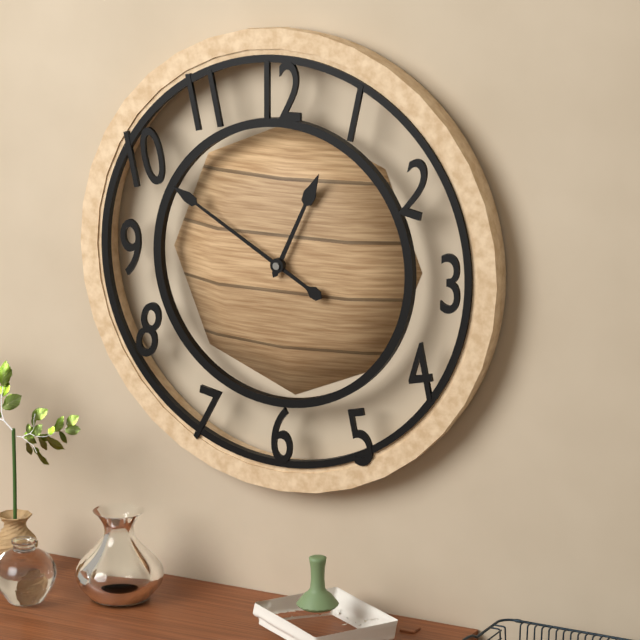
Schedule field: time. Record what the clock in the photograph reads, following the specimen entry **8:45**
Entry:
**12:50**
